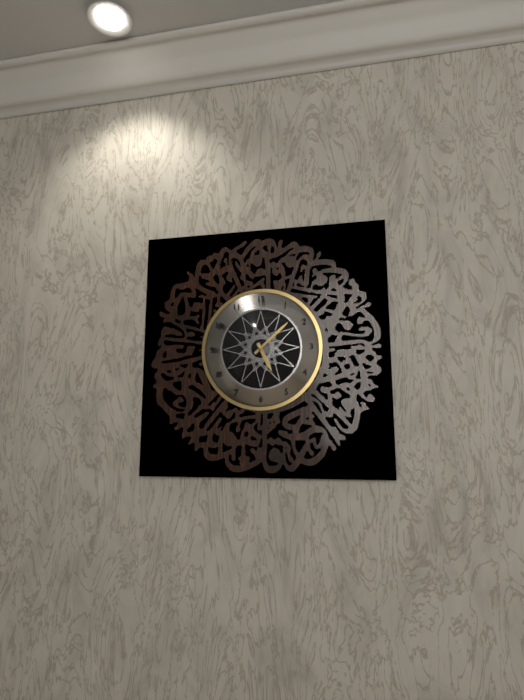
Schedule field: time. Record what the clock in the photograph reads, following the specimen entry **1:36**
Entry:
**5:08**
